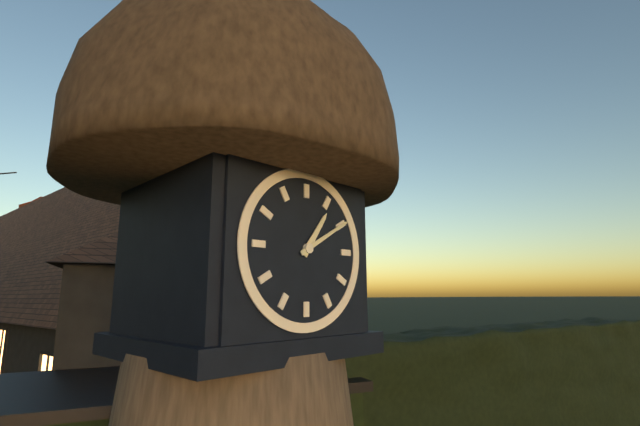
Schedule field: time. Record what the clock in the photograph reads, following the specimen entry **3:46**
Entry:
**1:10**
